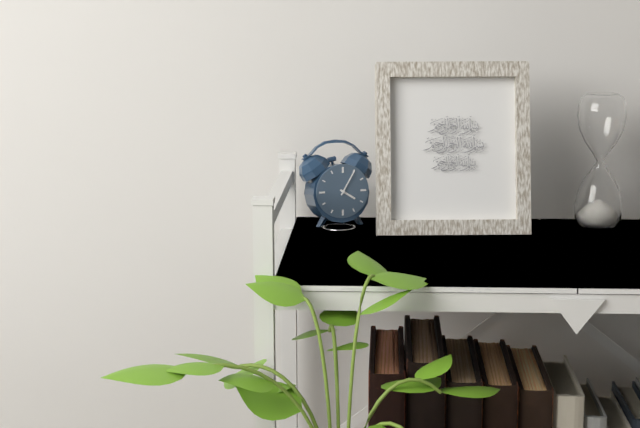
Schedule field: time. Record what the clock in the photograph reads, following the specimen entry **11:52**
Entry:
**4:05**
